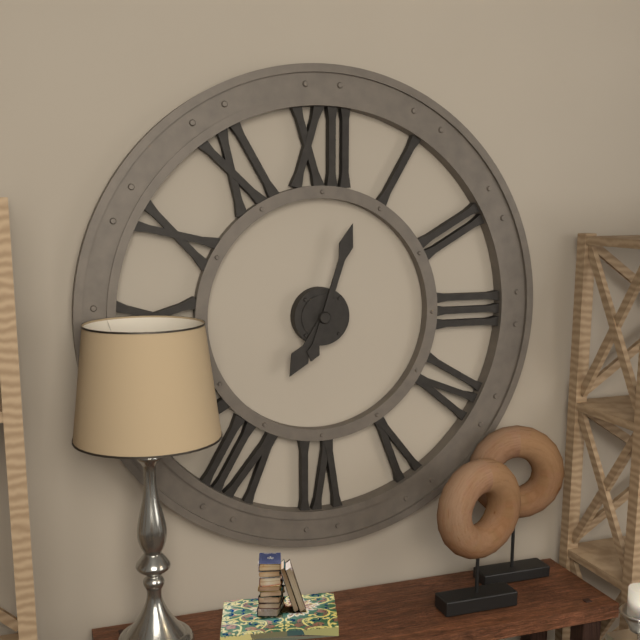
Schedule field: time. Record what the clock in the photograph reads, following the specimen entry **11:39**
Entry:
**7:03**
